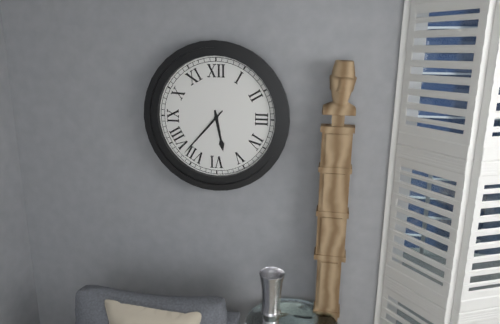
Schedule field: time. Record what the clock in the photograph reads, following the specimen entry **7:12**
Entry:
**5:37**
